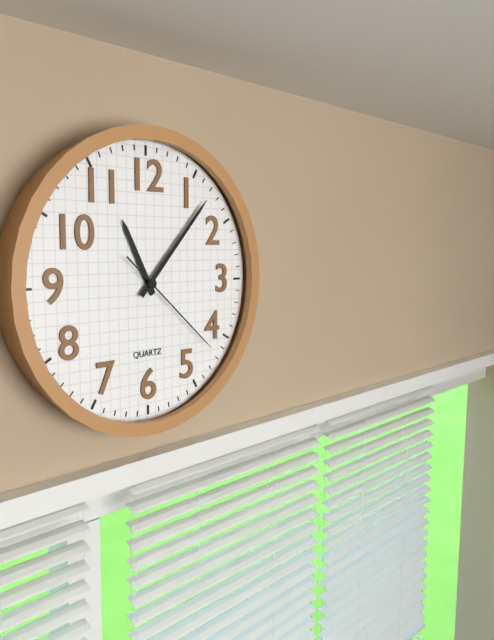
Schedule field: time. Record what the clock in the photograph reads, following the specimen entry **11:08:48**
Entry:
**11:07:22**
